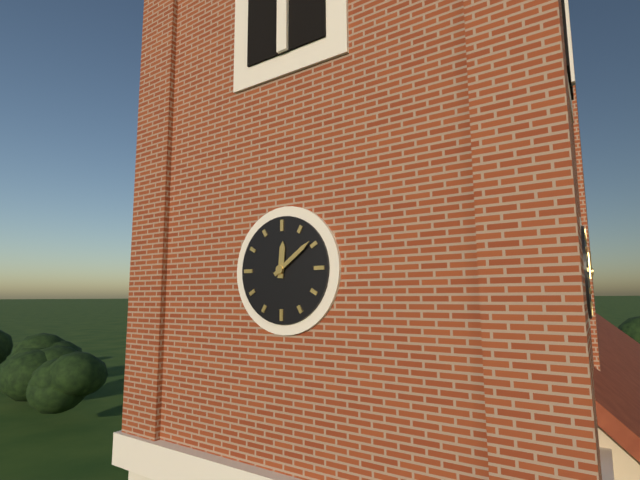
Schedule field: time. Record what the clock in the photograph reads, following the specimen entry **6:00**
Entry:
**12:09**
